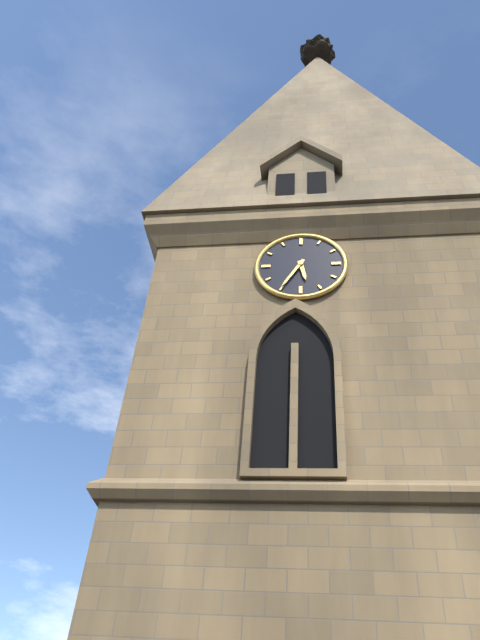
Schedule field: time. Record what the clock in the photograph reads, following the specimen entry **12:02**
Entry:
**5:35**
